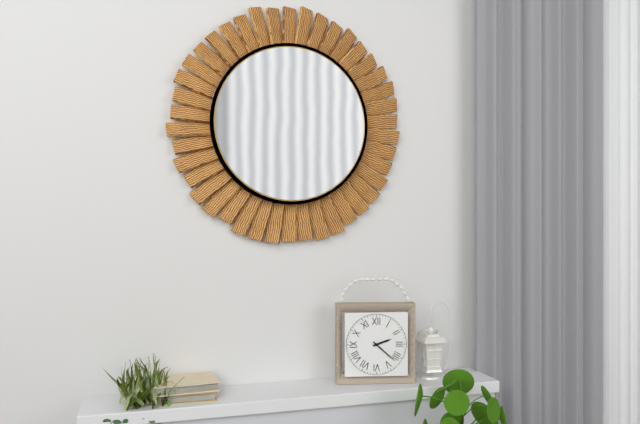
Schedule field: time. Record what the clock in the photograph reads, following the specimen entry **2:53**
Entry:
**2:22**
